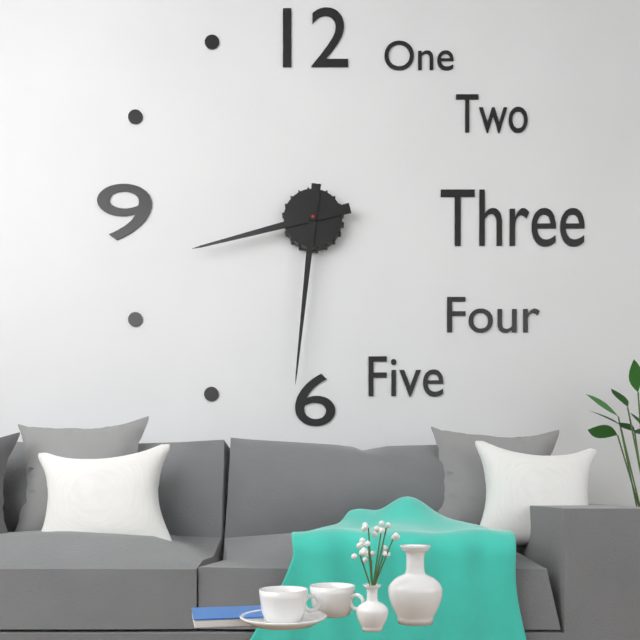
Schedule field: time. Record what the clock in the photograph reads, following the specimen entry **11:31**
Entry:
**8:31**
